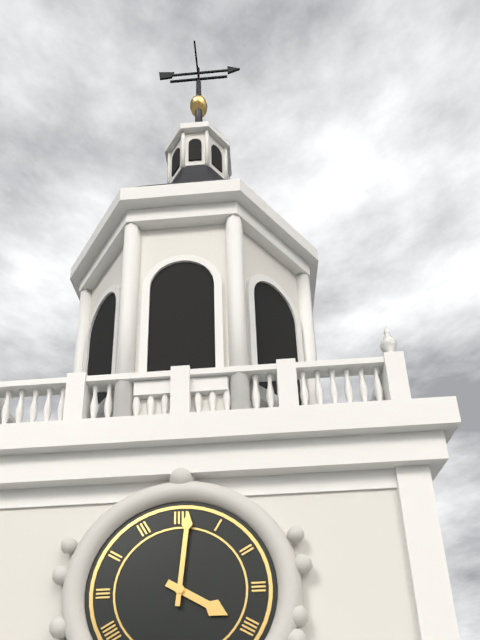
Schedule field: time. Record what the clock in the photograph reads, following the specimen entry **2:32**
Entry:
**4:01**
